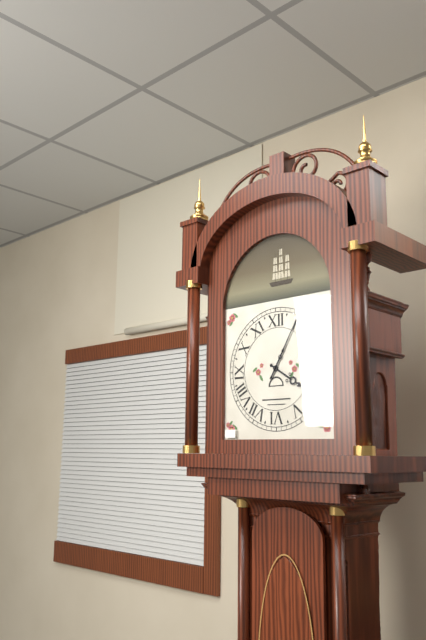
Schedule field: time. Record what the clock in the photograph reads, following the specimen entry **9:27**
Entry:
**4:05**
